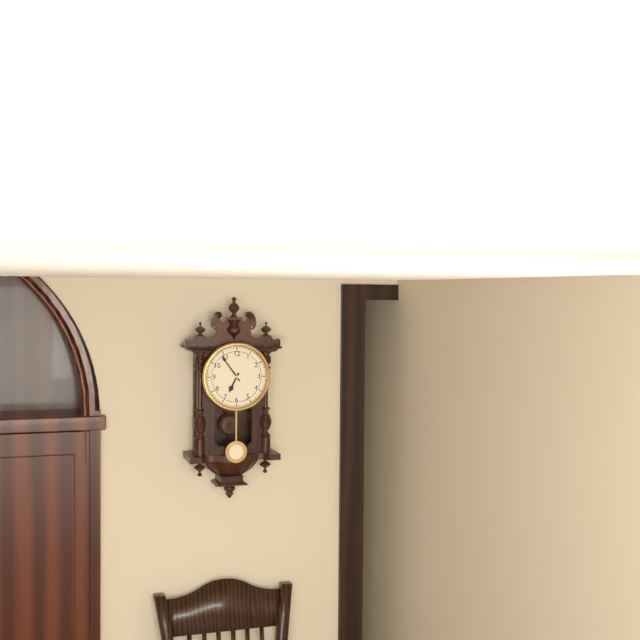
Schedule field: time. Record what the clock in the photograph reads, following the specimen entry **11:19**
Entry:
**6:54**
